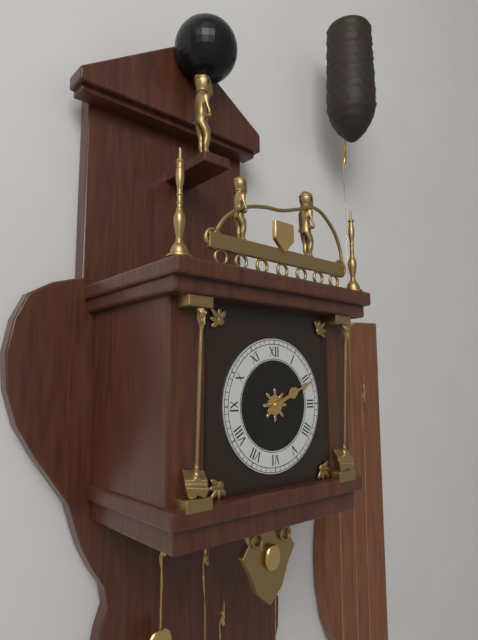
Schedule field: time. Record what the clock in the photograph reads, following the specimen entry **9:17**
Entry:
**2:11**
